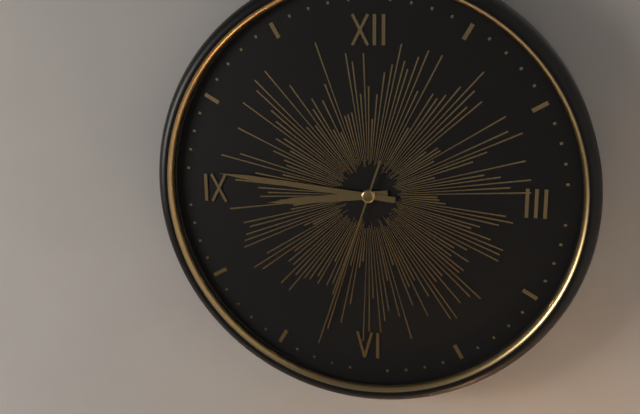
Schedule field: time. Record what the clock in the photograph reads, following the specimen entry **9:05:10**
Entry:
**8:46:33**
